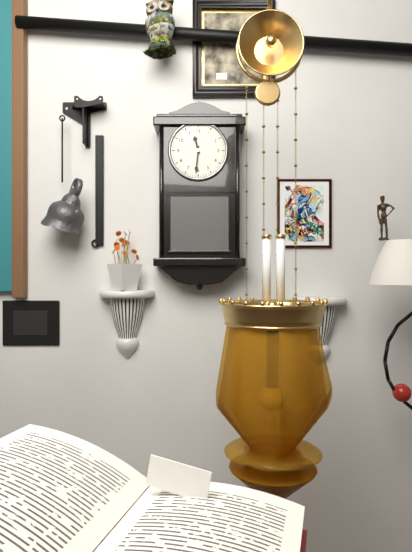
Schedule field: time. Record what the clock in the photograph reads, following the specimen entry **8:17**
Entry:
**11:31**
